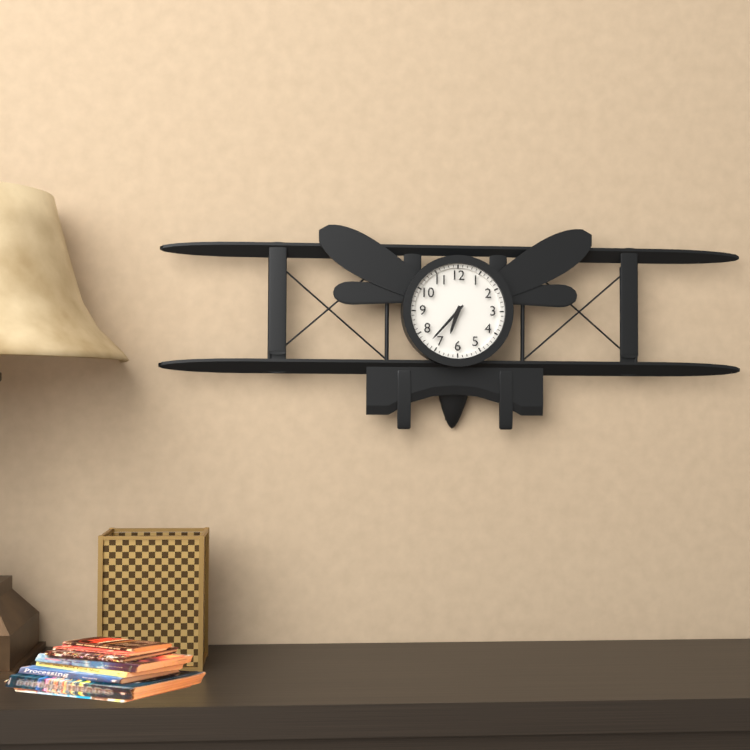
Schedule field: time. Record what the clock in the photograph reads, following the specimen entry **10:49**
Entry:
**6:37**
